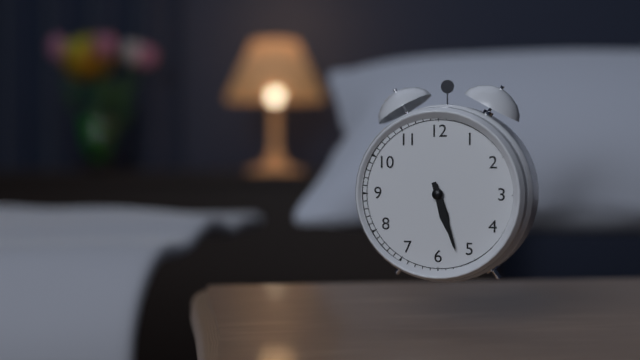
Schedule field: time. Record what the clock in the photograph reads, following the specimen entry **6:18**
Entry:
**5:27**
